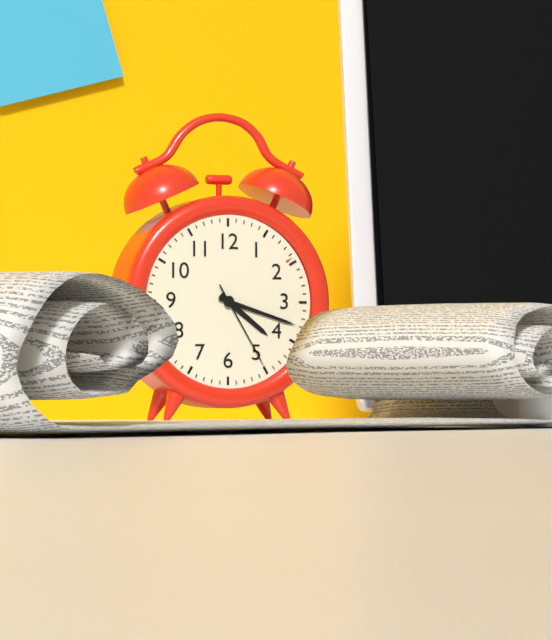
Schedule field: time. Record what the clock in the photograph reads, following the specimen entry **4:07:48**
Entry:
**4:18:25**
